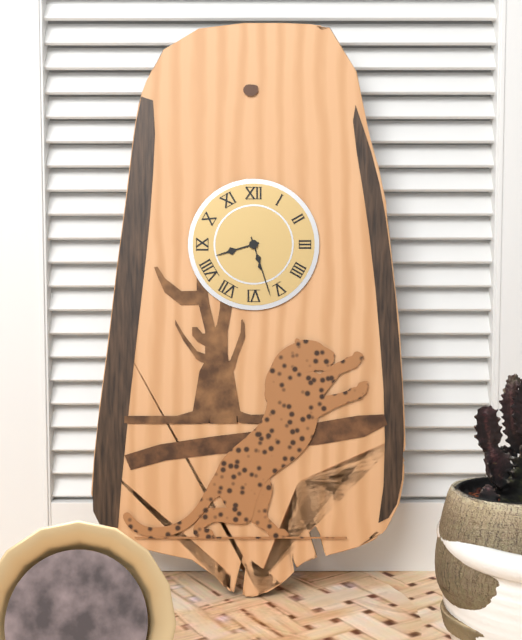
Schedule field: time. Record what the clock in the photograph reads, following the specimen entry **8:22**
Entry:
**8:27**
